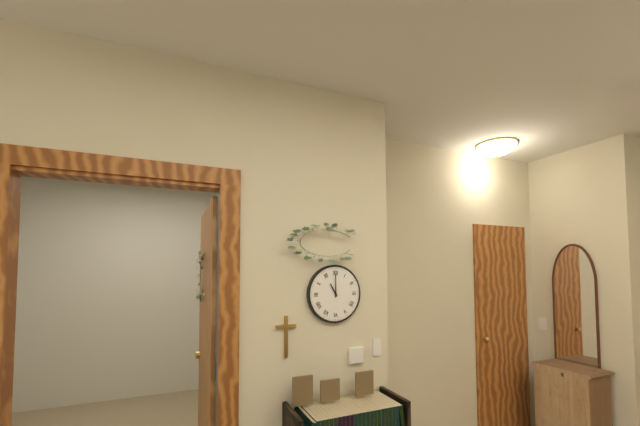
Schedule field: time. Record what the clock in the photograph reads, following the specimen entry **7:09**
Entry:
**11:00**
